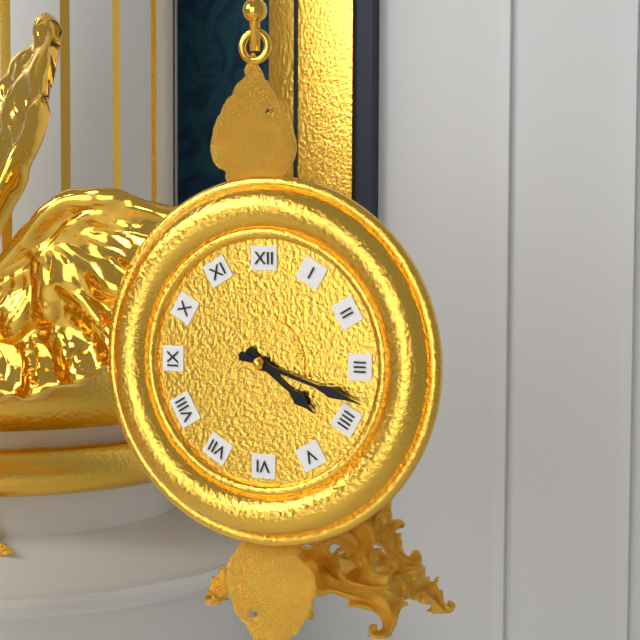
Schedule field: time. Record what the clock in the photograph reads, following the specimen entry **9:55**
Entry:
**4:18**
